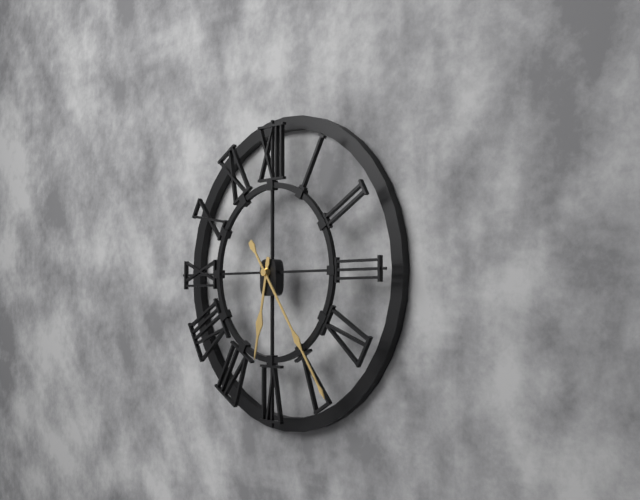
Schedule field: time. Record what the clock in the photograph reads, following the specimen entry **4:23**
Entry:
**6:24**
